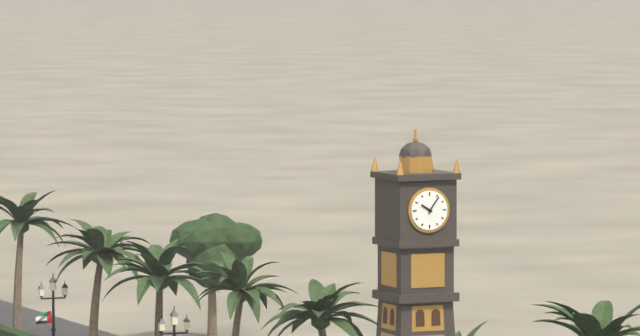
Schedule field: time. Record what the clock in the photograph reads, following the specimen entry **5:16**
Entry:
**10:06**
